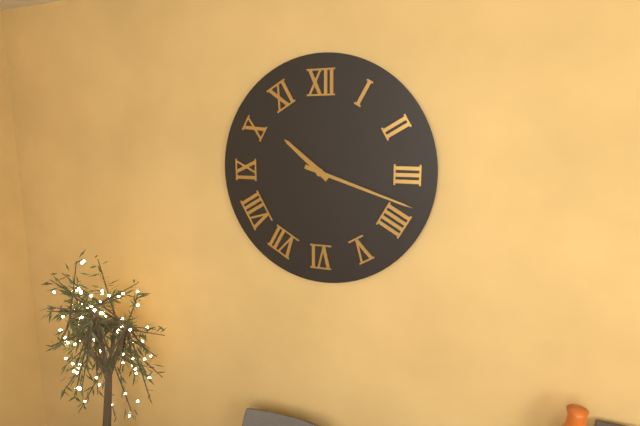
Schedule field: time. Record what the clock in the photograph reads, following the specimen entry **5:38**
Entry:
**10:18**
